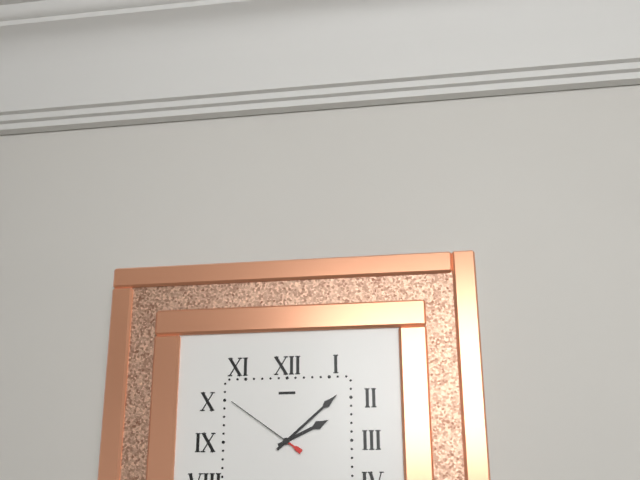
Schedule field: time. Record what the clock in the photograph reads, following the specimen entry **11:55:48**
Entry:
**2:08:51**
